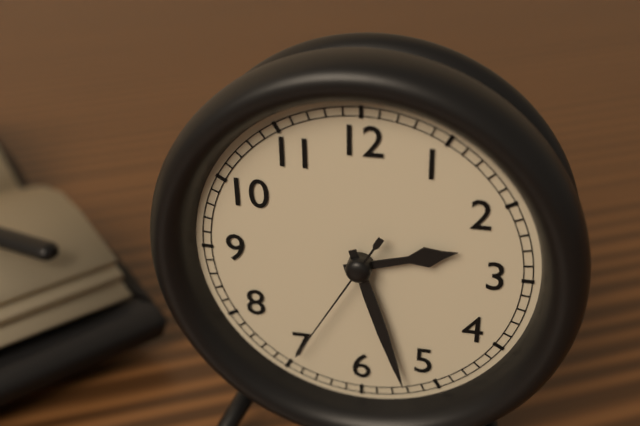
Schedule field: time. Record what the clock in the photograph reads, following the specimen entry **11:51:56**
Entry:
**2:27:35**
